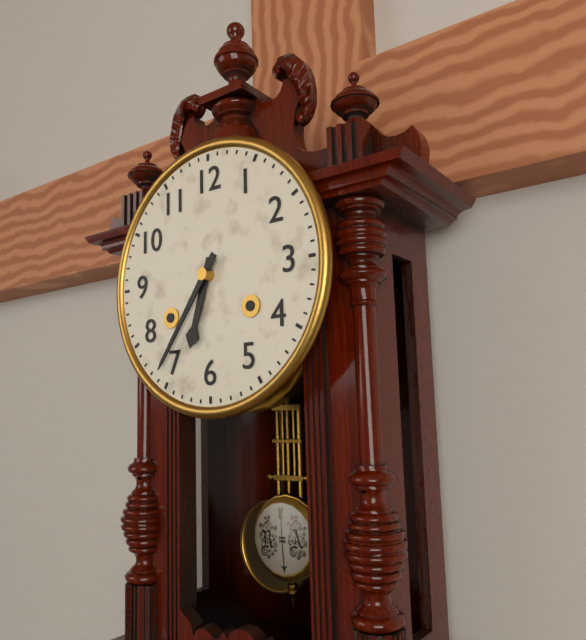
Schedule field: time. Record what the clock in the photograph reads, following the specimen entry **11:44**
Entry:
**6:36**
